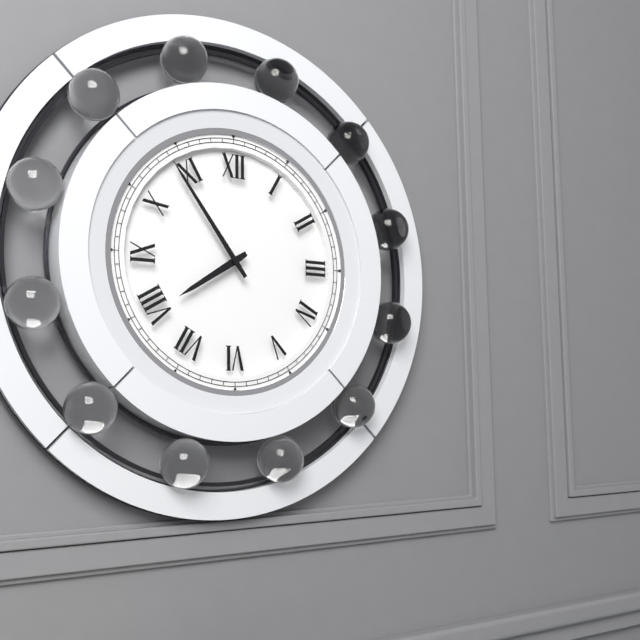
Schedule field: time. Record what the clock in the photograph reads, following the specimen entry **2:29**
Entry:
**7:54**
